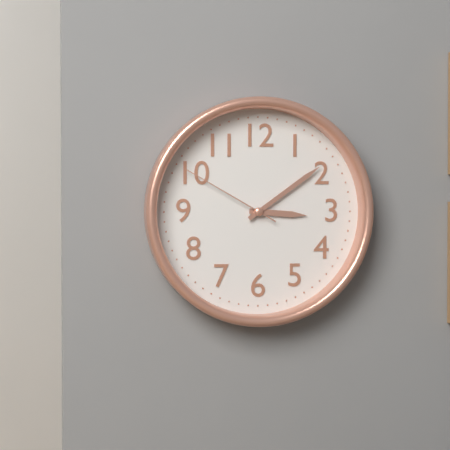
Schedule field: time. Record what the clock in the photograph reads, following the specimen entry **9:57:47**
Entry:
**3:09:50**
